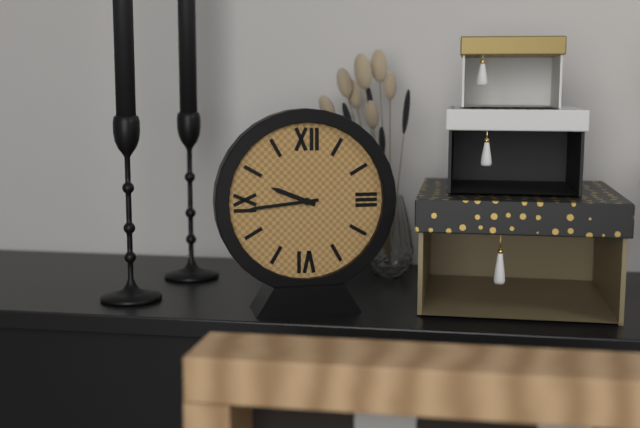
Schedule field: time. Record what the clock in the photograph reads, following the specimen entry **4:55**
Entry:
**9:44**
